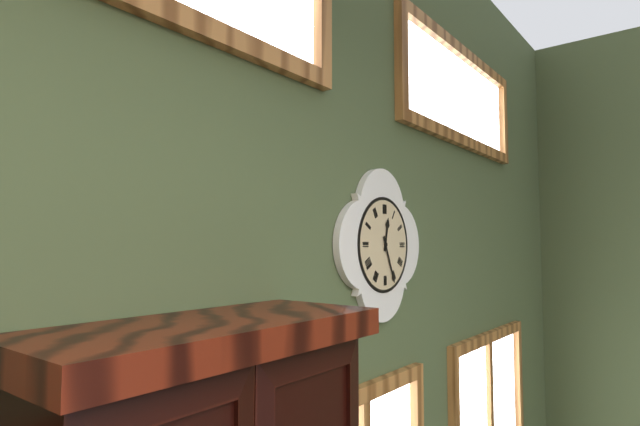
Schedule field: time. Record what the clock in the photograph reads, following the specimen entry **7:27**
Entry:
**12:26**
